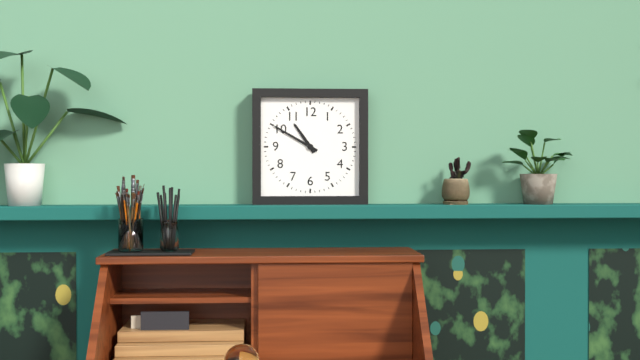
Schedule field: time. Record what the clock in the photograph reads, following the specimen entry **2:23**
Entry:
**10:50**
